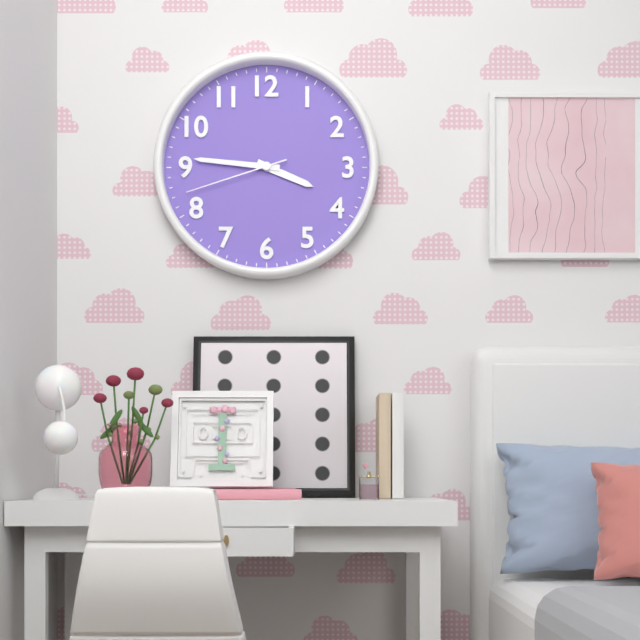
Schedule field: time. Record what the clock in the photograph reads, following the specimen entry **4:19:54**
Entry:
**3:46:42**
